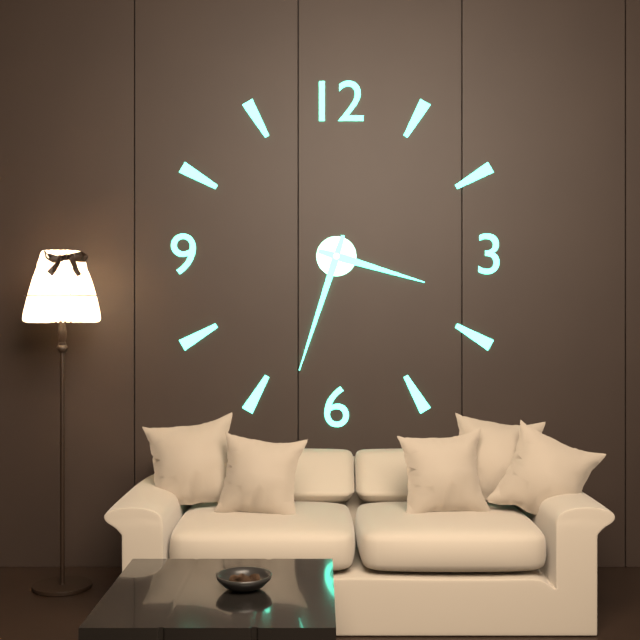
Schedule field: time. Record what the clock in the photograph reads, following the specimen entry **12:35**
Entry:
**3:33**
